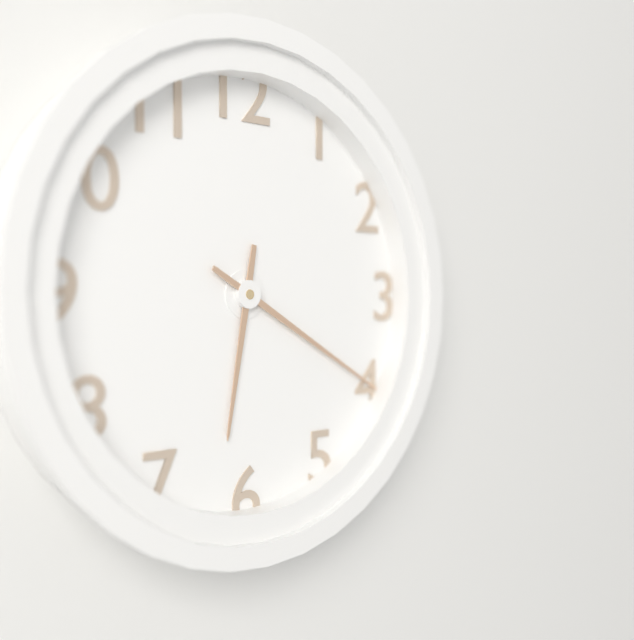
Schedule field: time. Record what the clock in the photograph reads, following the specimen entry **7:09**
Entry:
**6:20**
